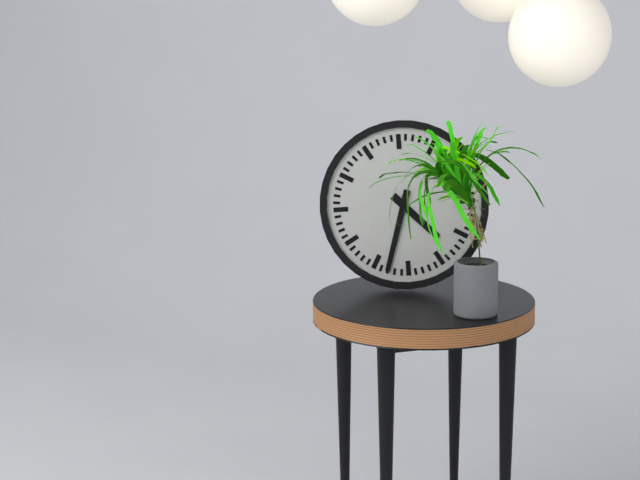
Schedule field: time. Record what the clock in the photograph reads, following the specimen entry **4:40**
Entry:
**4:33**
